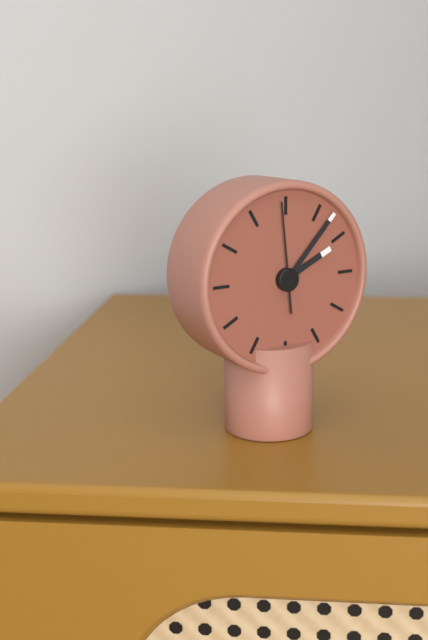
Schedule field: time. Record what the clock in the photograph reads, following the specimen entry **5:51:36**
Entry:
**2:07:59**
